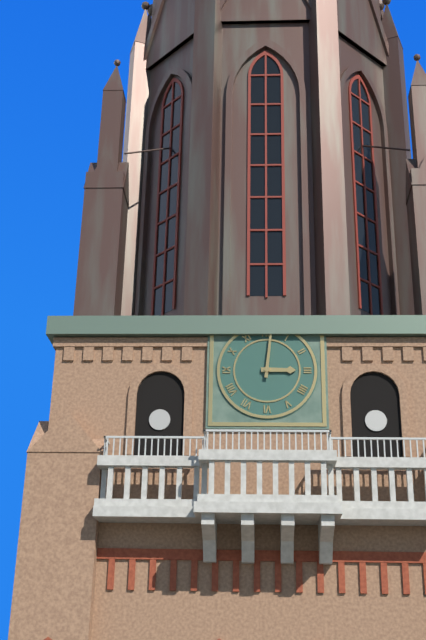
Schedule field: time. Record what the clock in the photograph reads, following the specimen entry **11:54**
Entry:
**3:01**
